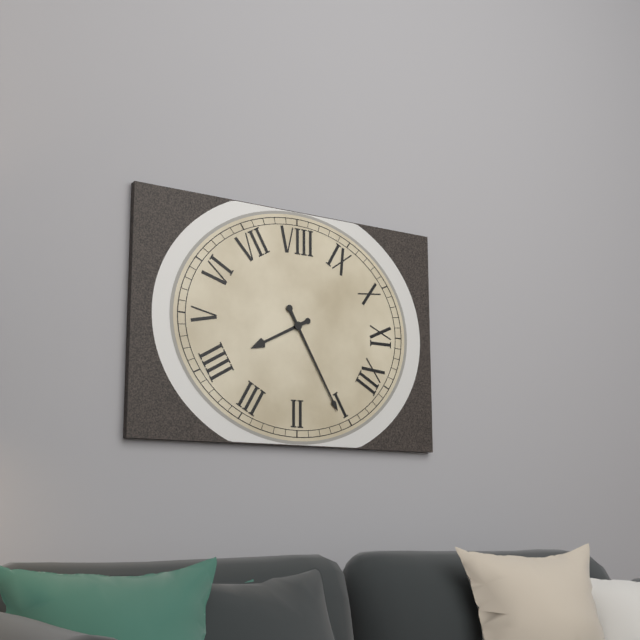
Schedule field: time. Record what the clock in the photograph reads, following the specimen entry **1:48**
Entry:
**4:05**
